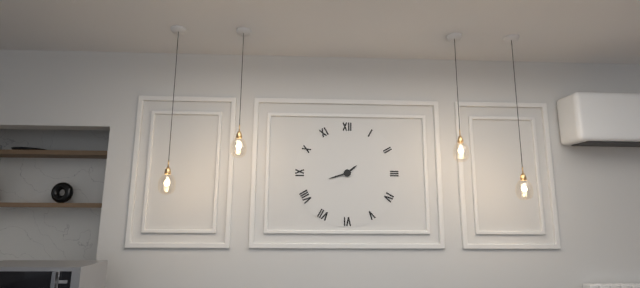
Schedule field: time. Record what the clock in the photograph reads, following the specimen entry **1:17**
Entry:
**1:42**
